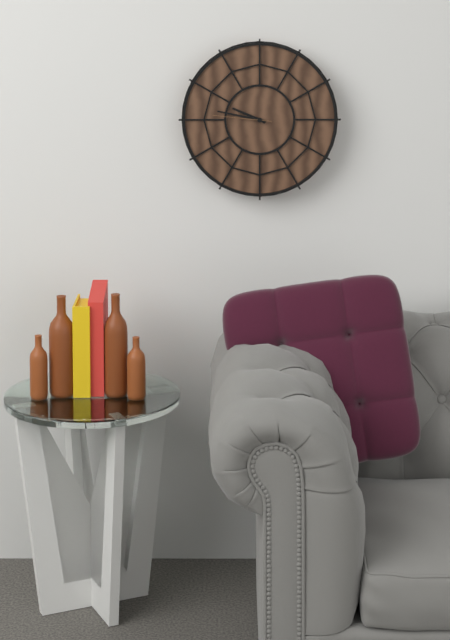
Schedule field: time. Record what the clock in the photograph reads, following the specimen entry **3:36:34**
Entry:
**9:47:46**
